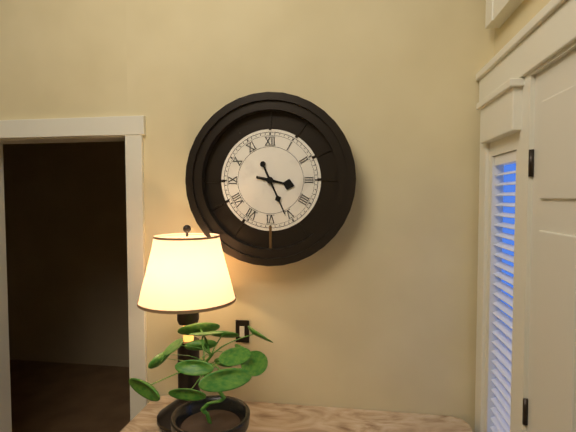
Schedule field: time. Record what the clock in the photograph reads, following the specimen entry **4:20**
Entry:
**3:26**
